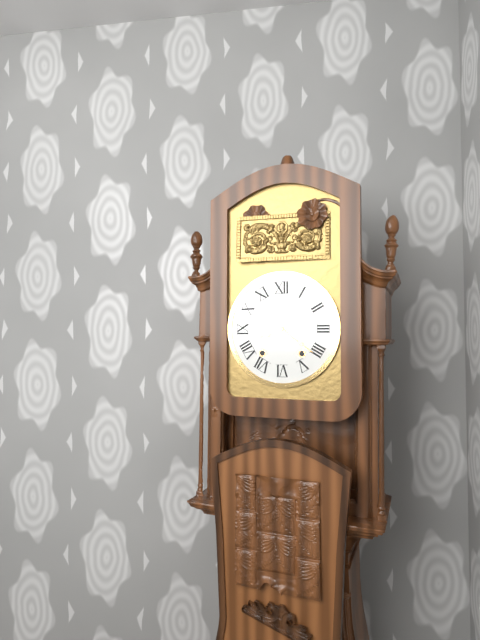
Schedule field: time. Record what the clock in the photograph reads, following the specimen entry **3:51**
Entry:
**8:21**
